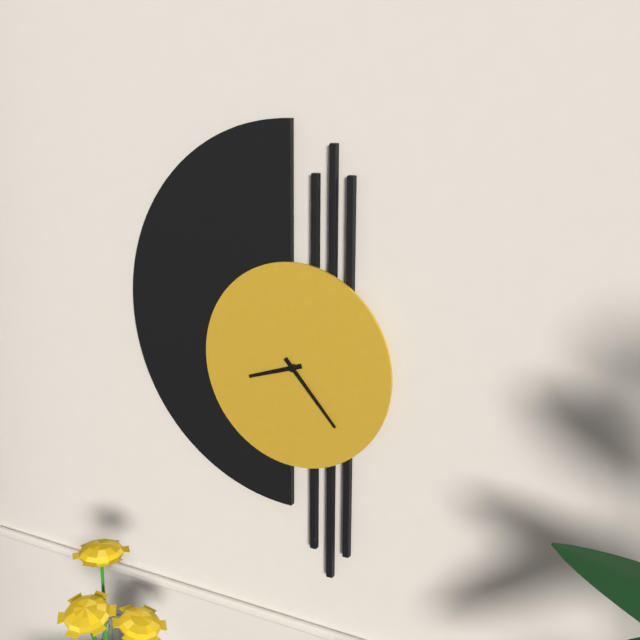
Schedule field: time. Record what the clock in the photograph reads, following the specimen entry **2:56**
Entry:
**8:23**
